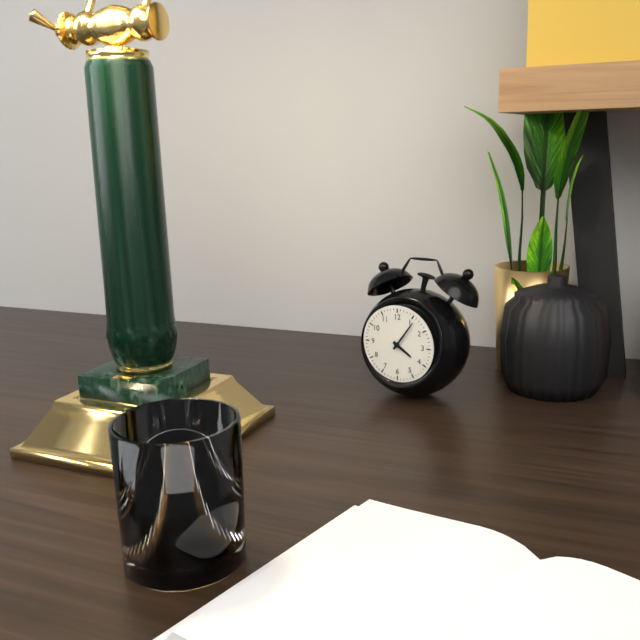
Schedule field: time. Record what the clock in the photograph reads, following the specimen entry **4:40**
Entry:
**4:06**
